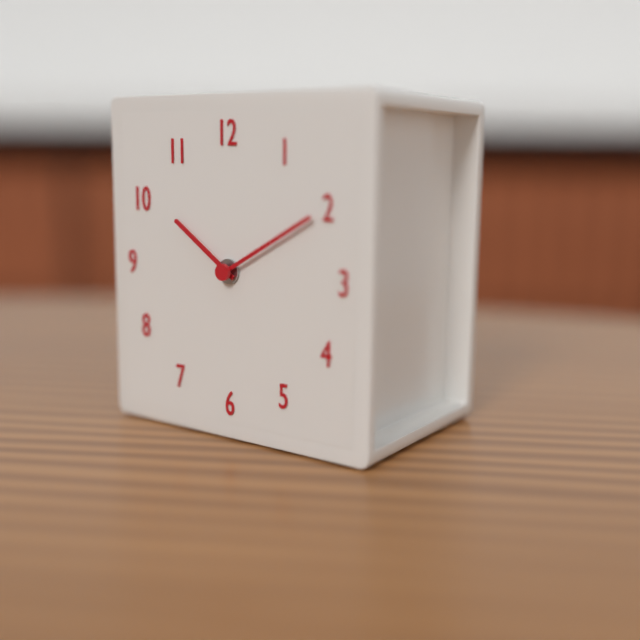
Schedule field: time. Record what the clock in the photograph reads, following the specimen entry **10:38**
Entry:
**10:10**
